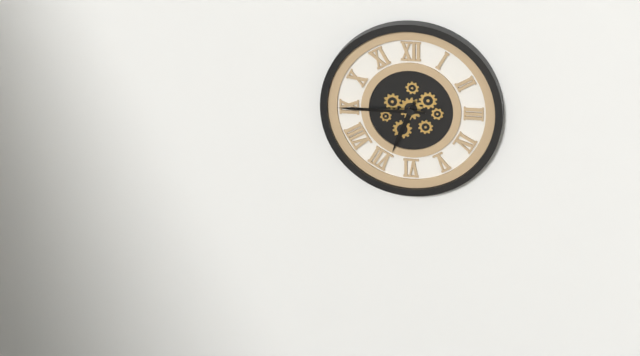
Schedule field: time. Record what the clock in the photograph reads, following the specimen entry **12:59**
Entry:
**6:45**
